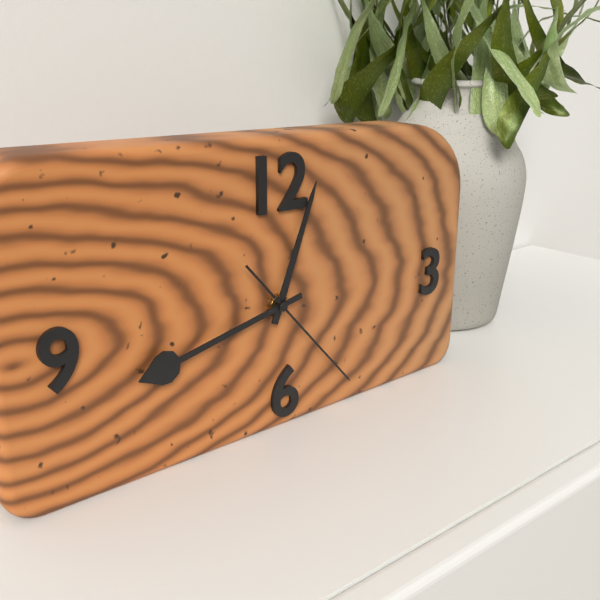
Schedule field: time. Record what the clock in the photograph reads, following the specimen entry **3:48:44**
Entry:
**12:43:23**
